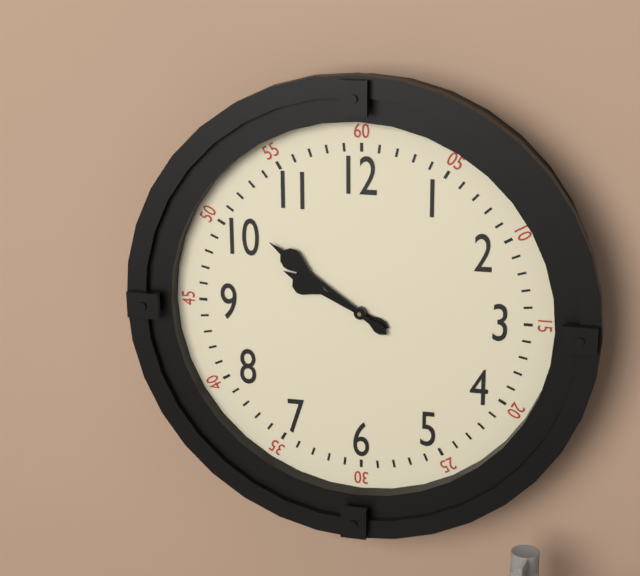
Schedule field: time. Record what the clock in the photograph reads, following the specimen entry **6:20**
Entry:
**9:51**
